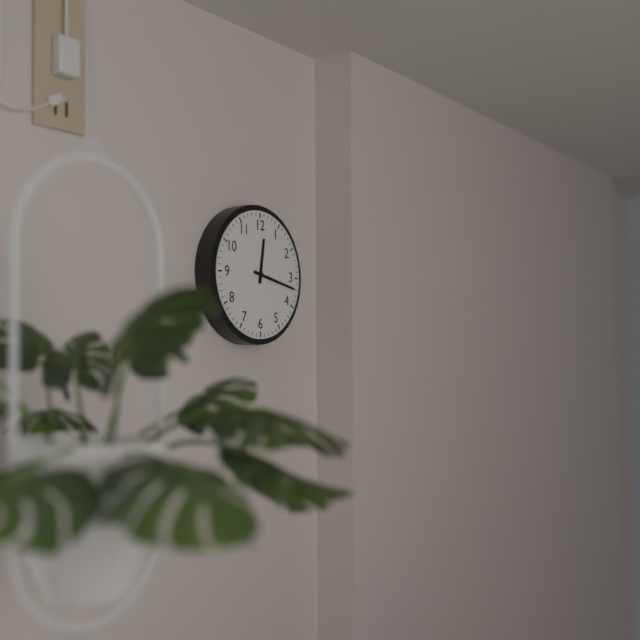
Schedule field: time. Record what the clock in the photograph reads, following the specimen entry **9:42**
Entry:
**12:17**
